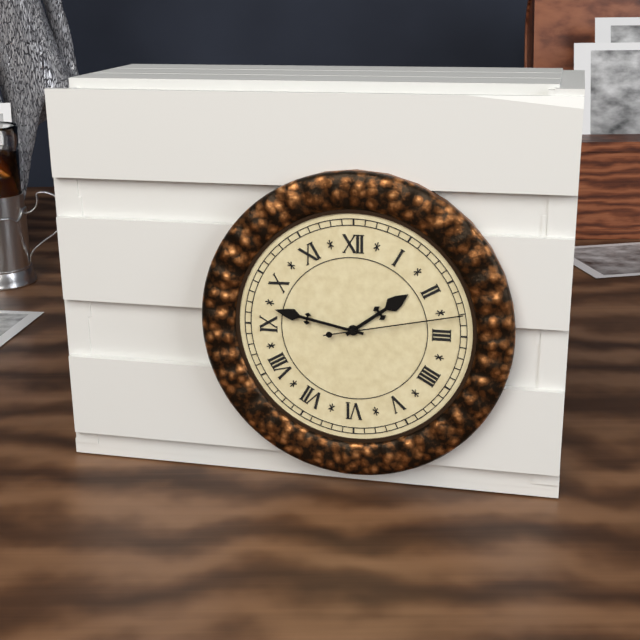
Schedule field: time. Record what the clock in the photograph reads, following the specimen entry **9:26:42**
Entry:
**1:47:13**
